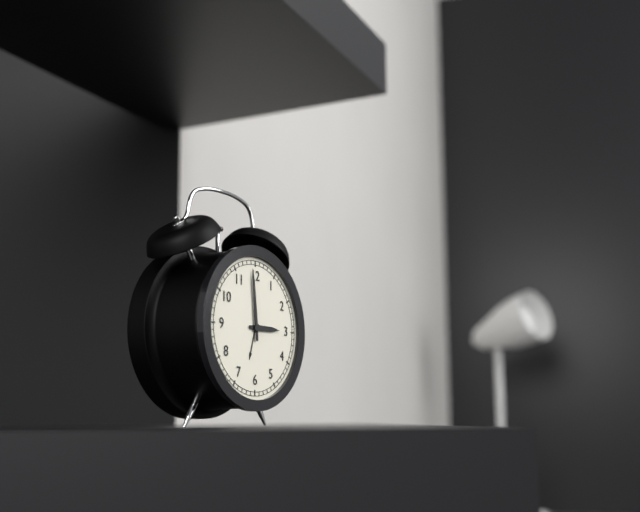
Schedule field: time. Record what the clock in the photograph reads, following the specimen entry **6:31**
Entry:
**2:59**
